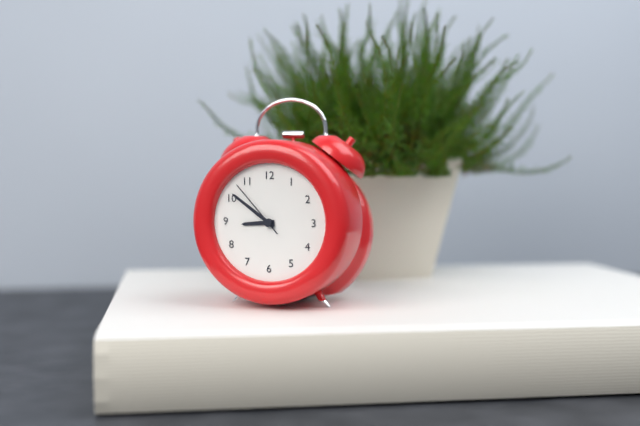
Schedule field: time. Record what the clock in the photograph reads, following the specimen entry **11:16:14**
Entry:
**8:51:53**
